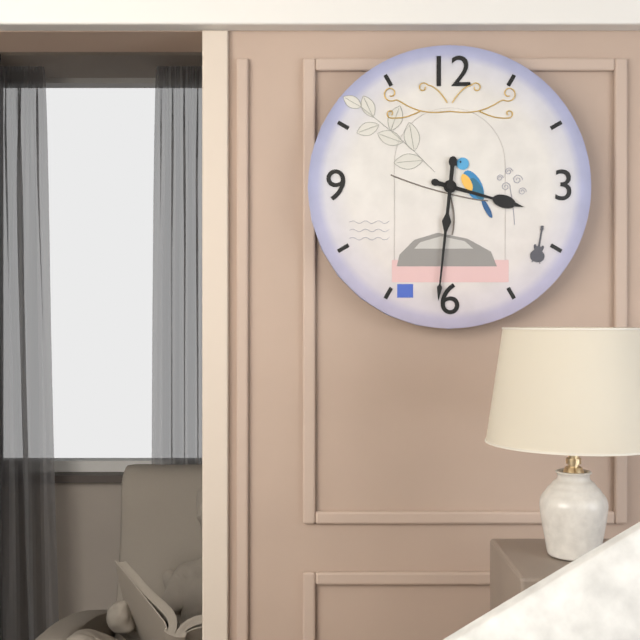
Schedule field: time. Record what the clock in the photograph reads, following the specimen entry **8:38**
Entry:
**3:31**
